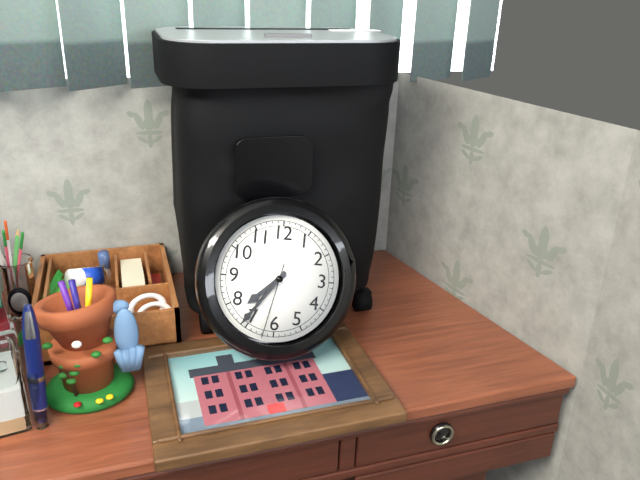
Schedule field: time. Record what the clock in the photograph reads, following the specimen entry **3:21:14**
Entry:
**7:36:32**
